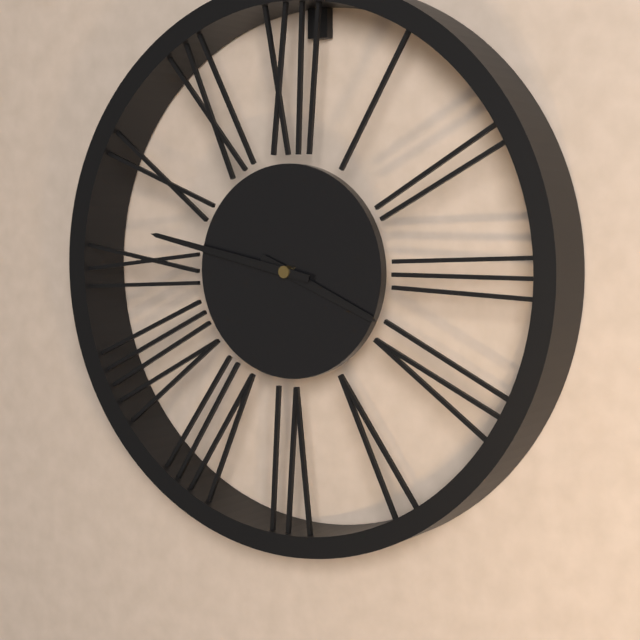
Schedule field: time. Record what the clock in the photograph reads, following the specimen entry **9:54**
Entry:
**3:47**
